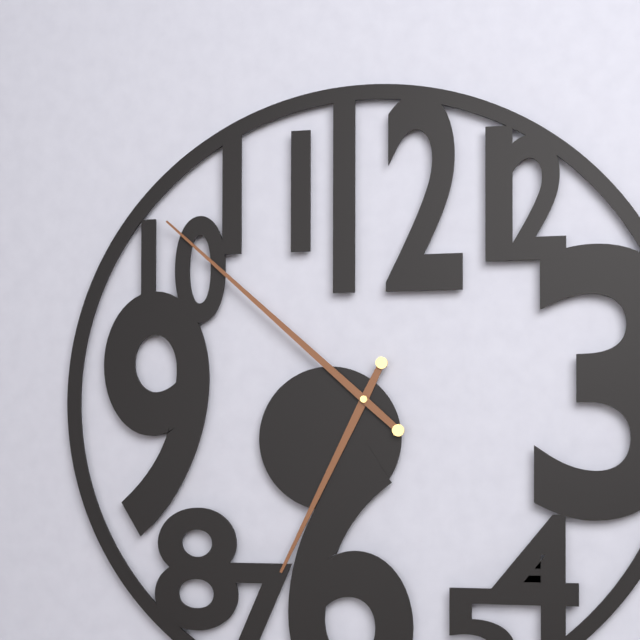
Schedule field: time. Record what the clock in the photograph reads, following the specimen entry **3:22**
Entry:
**6:52**
